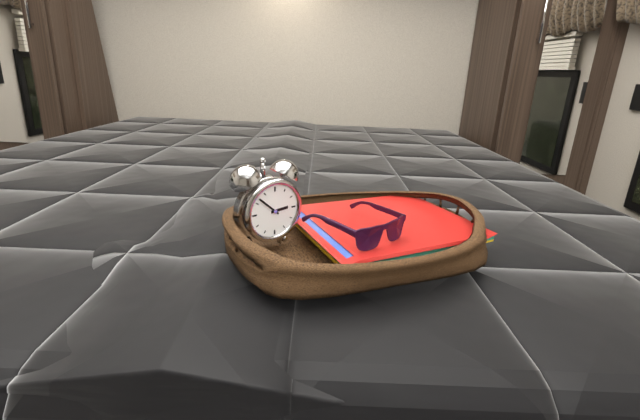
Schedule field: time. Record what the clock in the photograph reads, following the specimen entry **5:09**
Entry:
**2:52**
